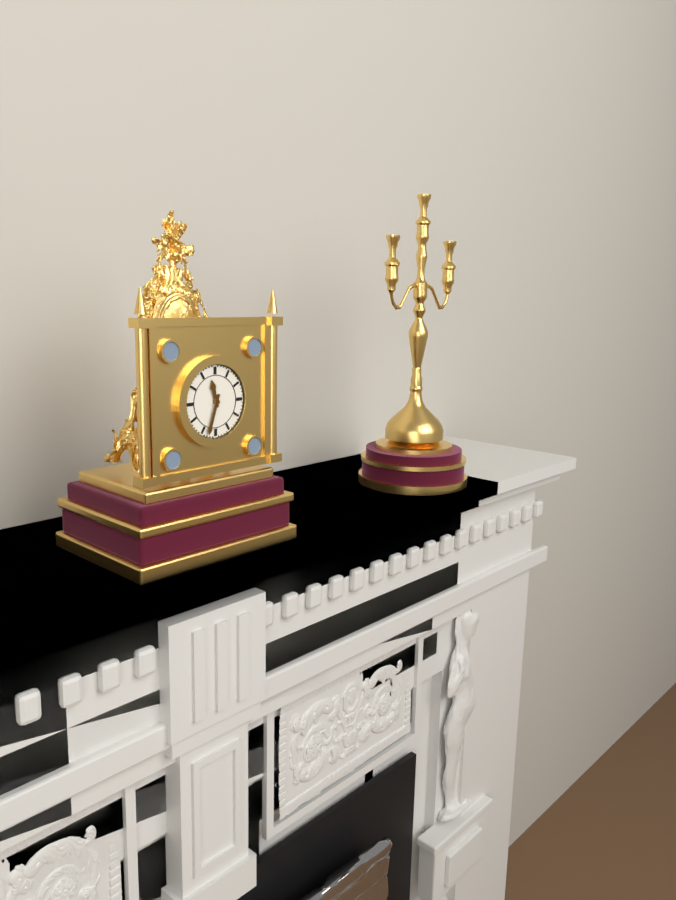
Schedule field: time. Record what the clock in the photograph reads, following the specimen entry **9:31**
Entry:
**11:33**
